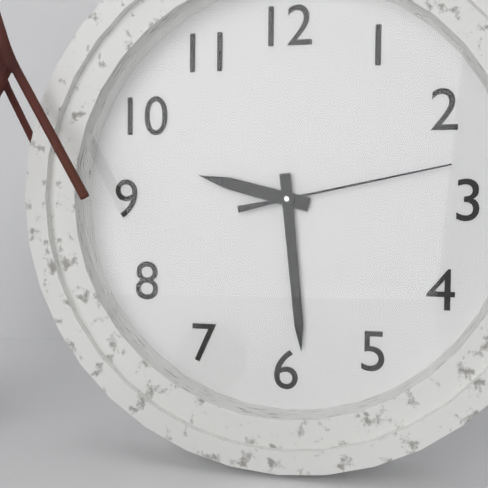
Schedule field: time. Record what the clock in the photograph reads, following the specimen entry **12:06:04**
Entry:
**9:29:13**
